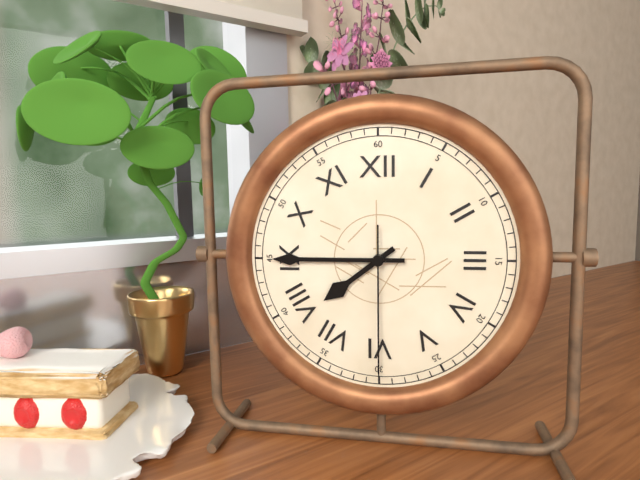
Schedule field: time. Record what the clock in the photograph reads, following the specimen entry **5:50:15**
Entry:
**7:45:30**
